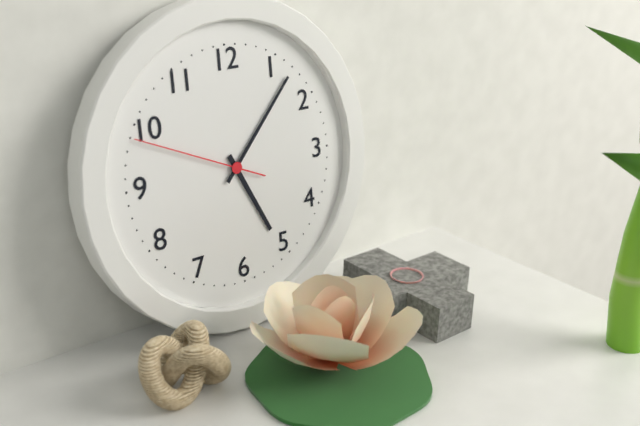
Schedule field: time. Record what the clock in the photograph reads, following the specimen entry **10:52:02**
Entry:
**5:07:49**
